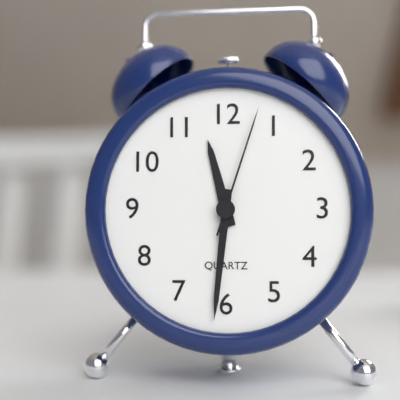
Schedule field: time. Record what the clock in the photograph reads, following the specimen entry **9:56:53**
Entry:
**11:31:03**
